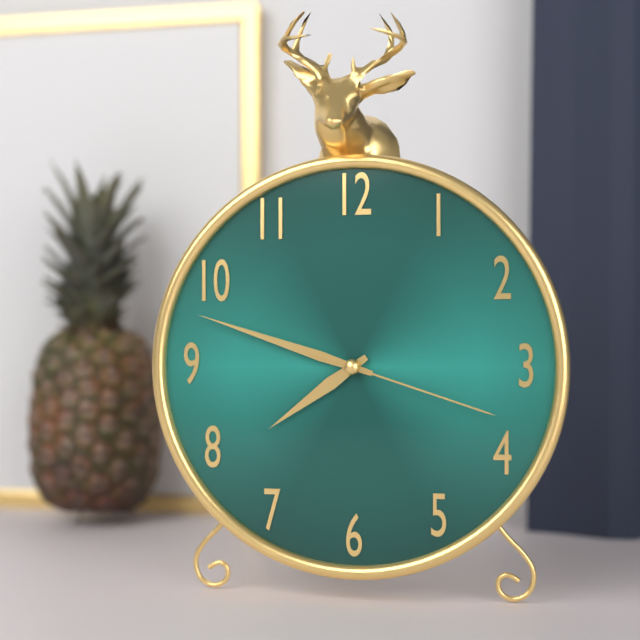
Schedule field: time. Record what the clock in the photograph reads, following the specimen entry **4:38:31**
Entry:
**7:48:18**
